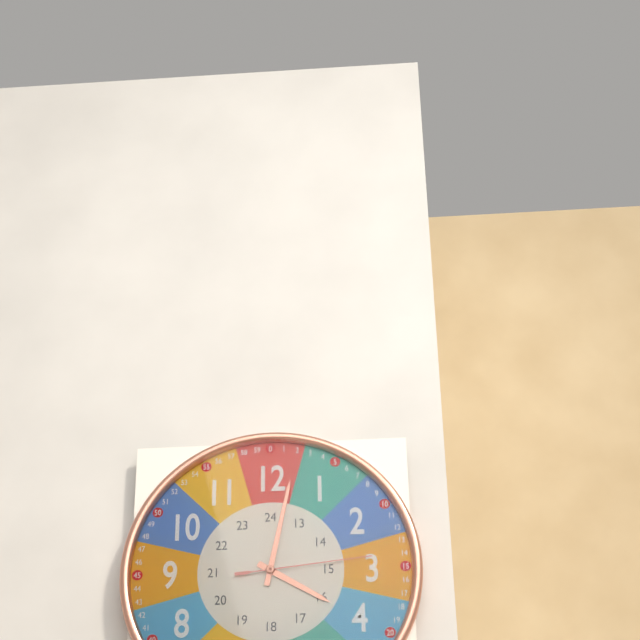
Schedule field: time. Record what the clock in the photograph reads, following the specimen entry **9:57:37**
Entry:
**4:02:14**
